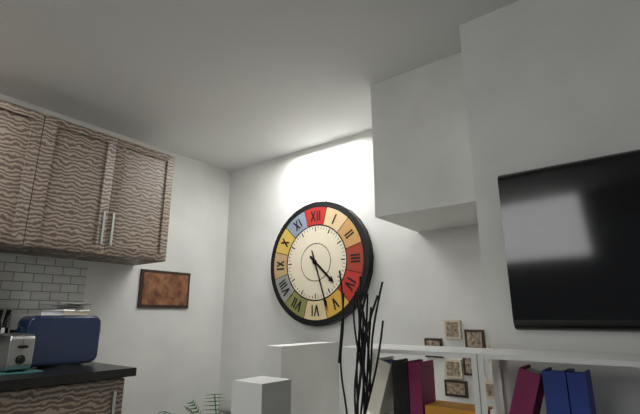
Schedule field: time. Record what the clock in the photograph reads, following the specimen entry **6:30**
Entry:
**4:27**
